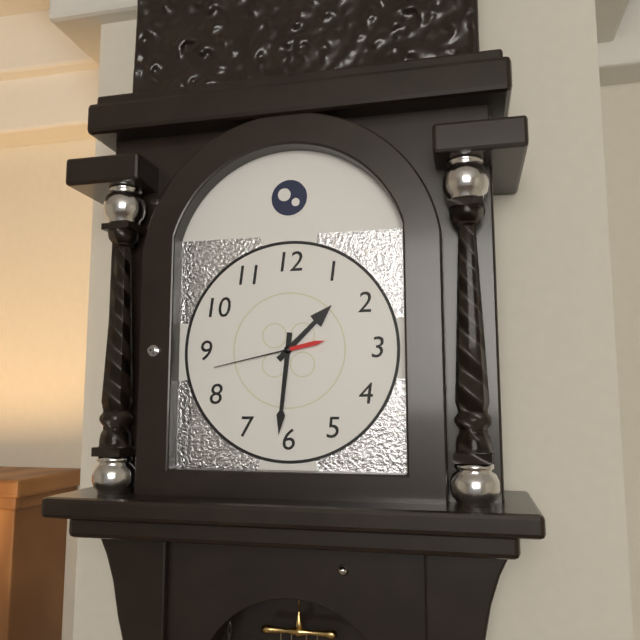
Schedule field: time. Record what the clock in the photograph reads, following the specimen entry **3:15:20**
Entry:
**1:31:43**
